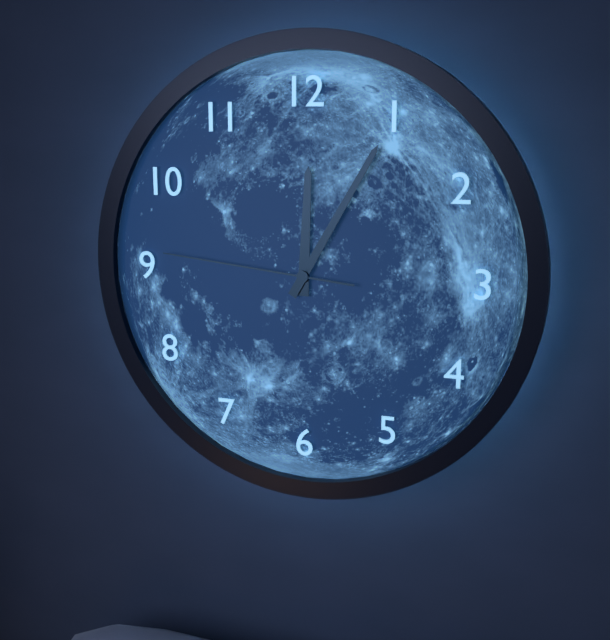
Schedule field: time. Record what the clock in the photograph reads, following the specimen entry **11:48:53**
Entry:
**12:05:46**
